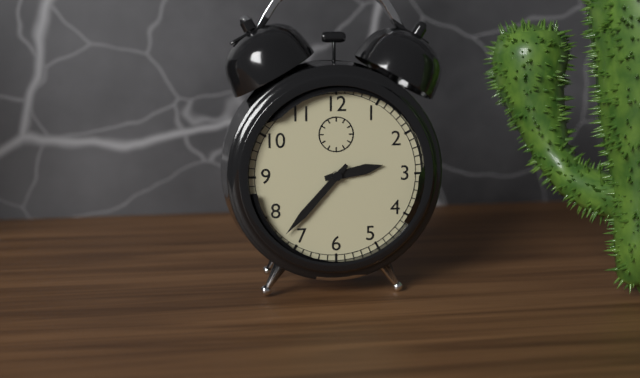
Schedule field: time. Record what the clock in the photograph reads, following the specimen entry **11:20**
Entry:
**2:37**
